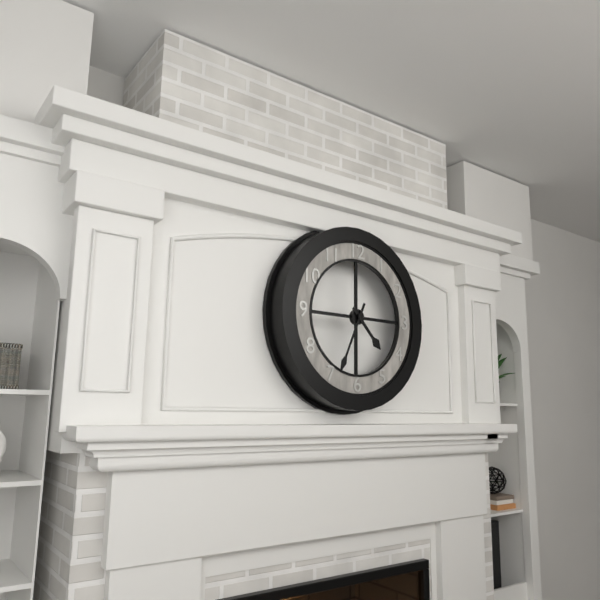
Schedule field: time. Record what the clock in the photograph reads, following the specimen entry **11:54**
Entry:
**4:34**
